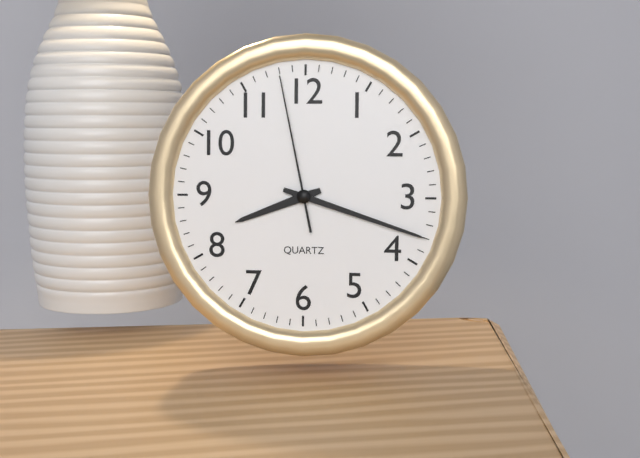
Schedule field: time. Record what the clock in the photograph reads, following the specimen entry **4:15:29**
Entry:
**8:18:58**
